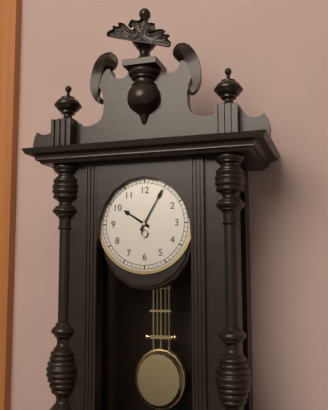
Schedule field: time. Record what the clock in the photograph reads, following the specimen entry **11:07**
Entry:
**10:05**
